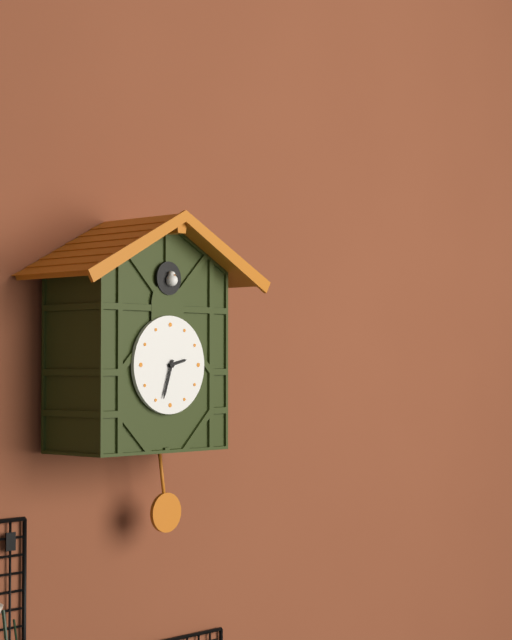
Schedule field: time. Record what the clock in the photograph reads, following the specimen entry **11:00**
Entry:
**2:33**
